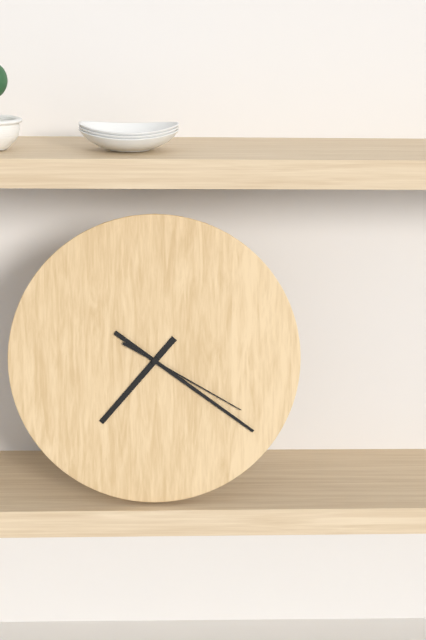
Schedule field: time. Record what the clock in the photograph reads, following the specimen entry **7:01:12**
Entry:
**7:21:20**
